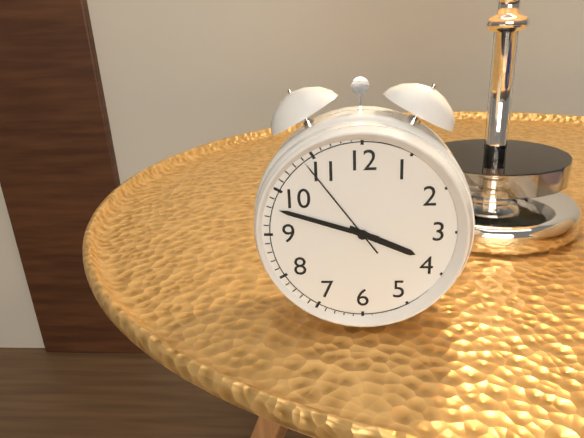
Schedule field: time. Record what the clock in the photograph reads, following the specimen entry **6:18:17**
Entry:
**3:48:54**
